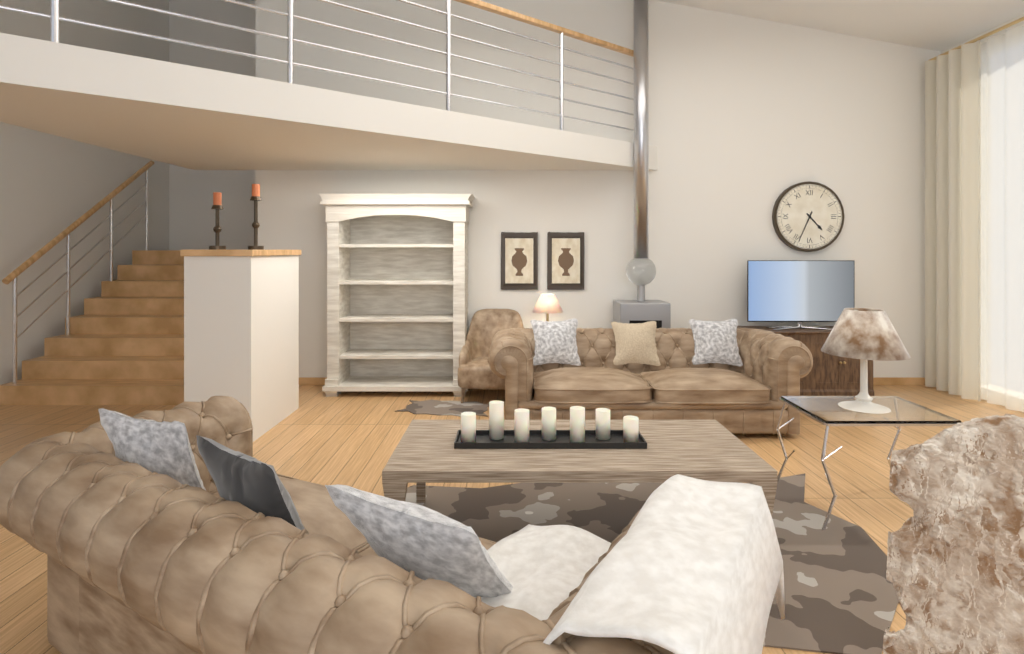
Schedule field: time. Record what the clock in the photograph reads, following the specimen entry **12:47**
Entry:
**4:34**
